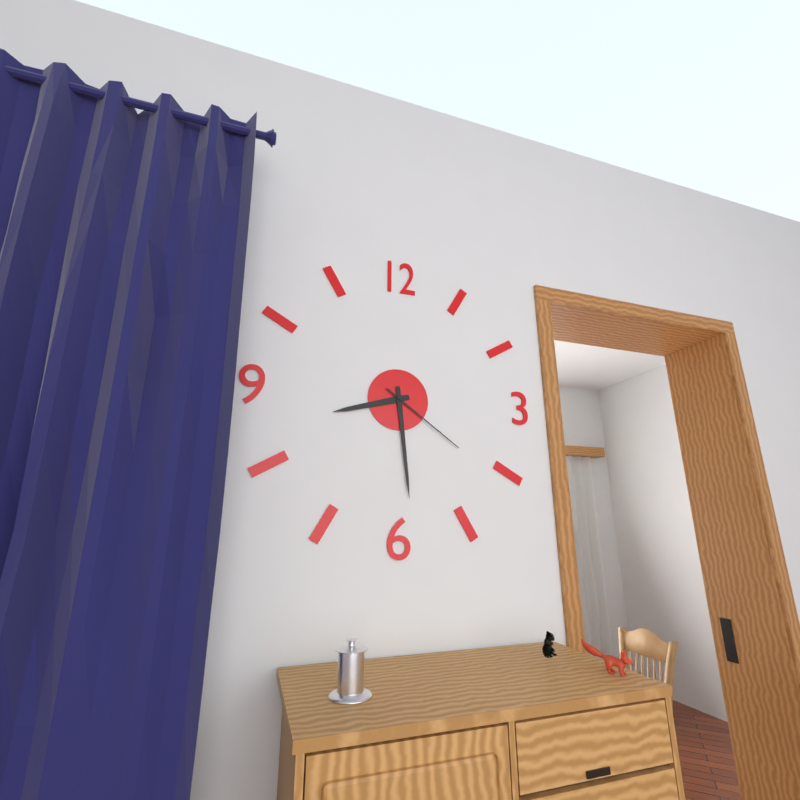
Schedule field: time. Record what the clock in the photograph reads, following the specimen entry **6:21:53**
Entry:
**8:29:21**
